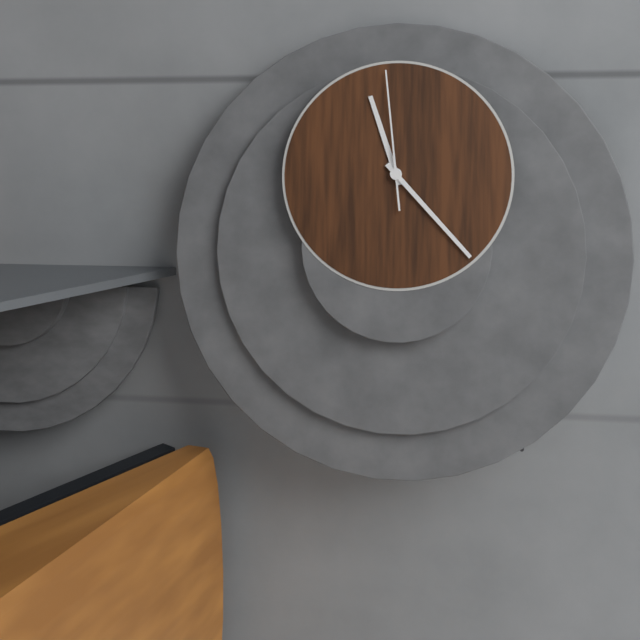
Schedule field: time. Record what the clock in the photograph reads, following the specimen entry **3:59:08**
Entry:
**11:23:59**
